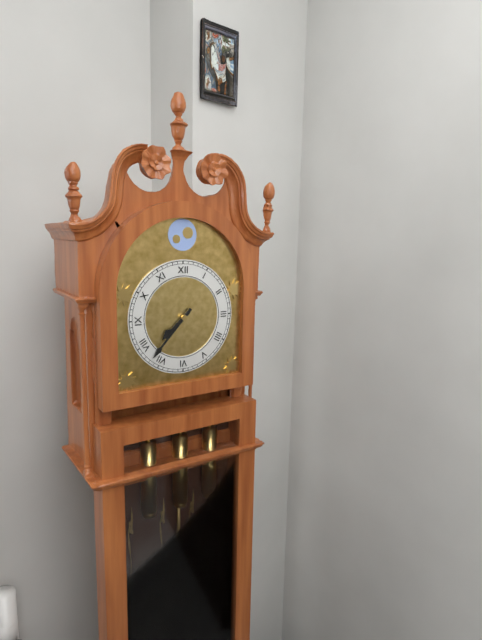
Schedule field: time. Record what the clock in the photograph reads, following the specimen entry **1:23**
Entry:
**7:37**
